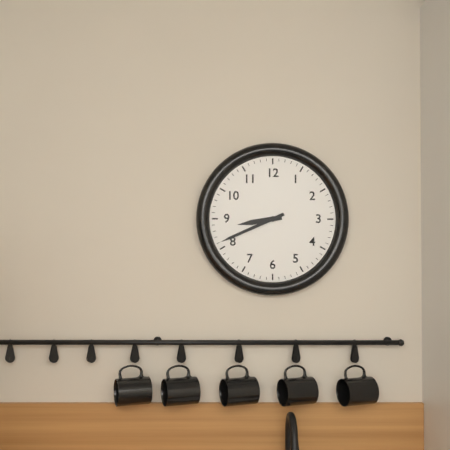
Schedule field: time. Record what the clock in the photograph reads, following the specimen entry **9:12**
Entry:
**8:41**
